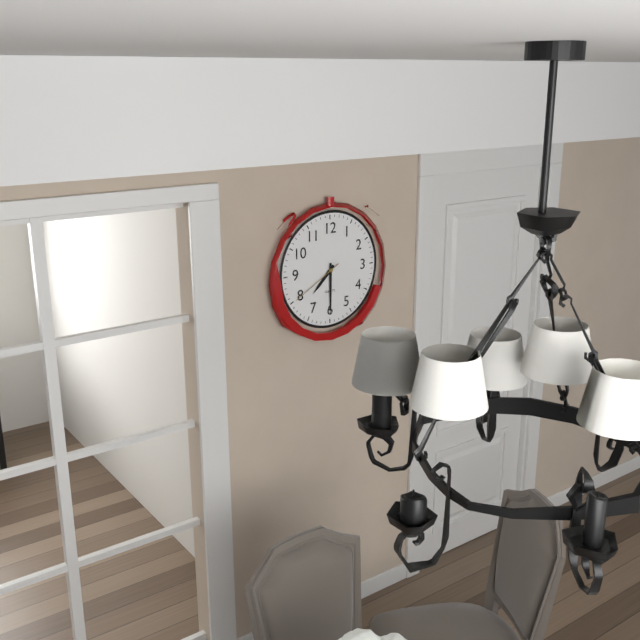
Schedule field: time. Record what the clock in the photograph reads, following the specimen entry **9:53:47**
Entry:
**7:30:40**
